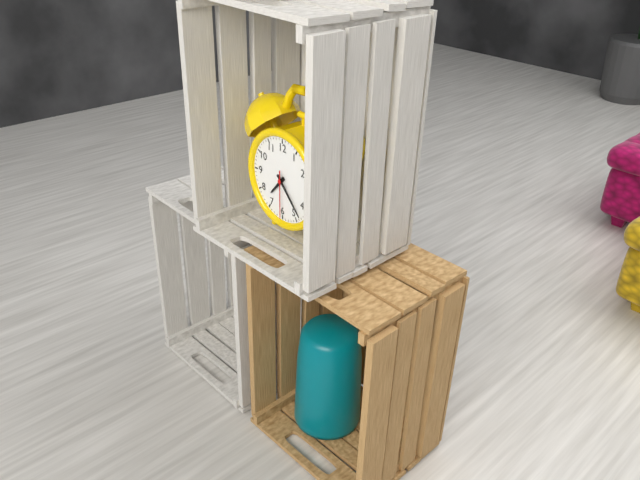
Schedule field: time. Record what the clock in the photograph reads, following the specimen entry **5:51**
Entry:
**7:23**
